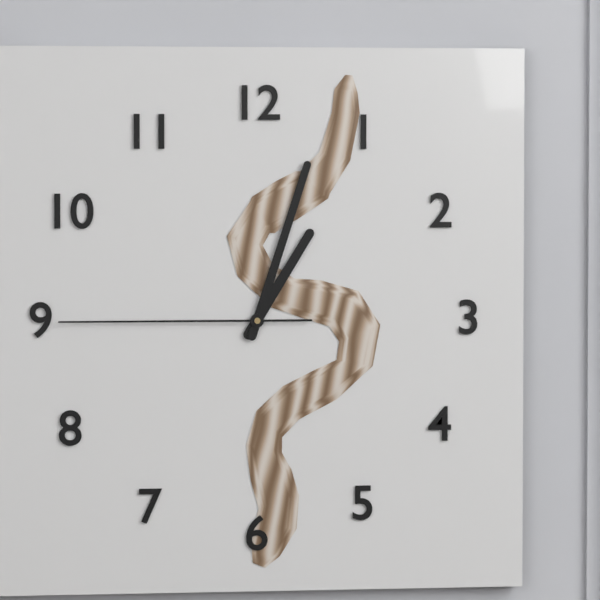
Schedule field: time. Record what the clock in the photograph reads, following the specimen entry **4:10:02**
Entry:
**1:03:45**
